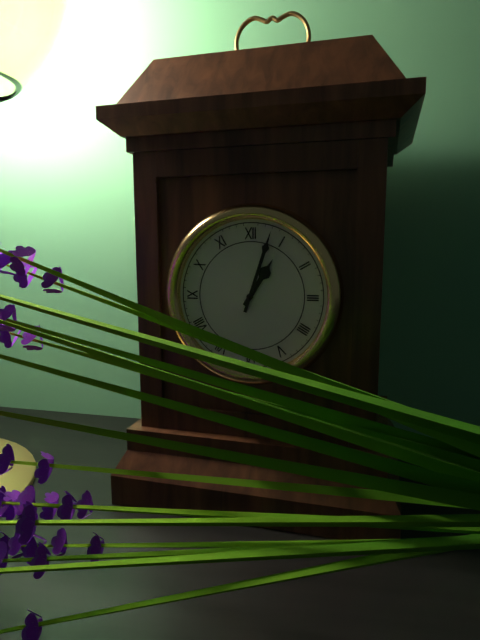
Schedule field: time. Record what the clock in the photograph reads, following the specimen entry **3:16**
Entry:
**1:03**
